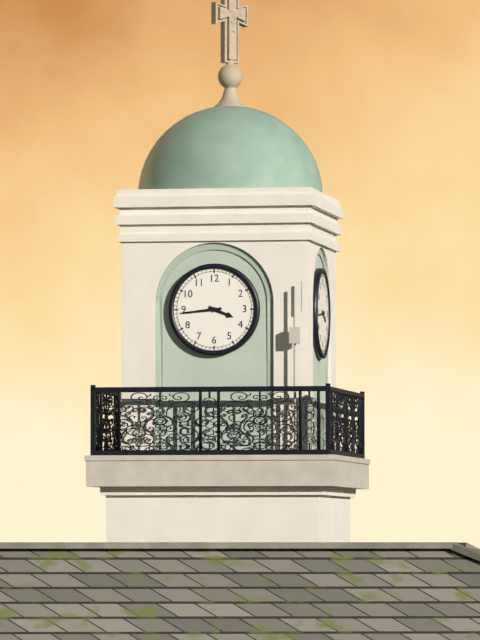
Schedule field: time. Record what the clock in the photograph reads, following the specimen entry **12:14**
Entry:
**3:44**
